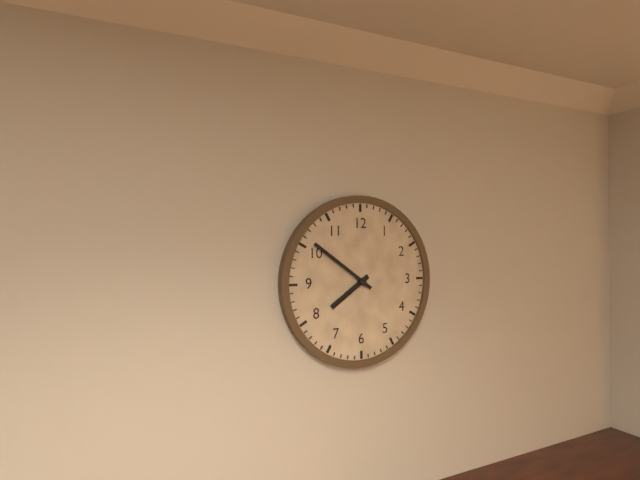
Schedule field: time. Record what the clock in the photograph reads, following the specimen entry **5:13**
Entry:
**7:51**
